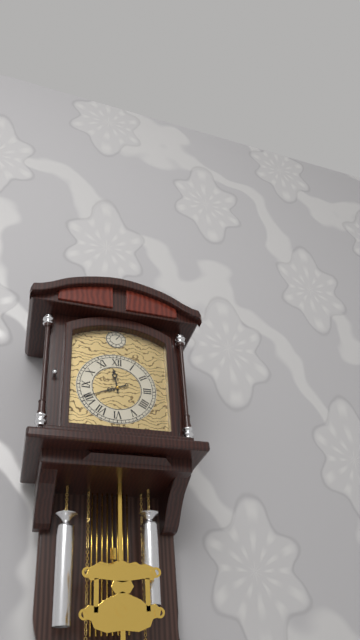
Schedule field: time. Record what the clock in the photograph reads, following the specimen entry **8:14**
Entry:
**11:41**
